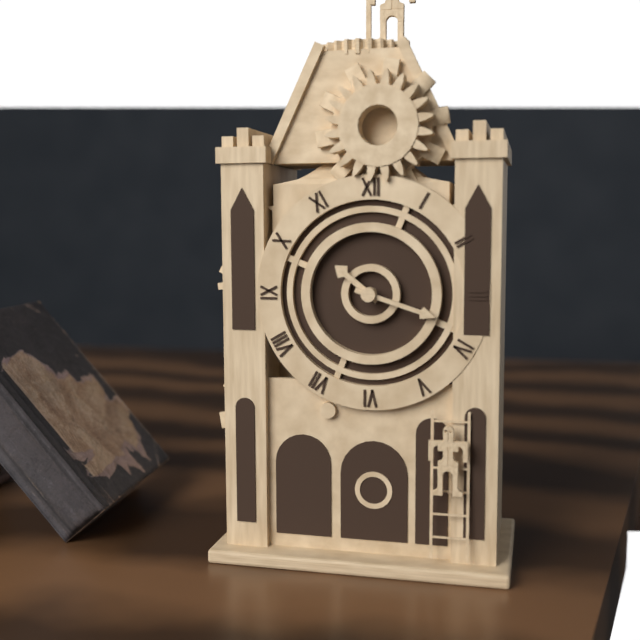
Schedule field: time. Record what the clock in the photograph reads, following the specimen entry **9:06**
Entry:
**10:18**
